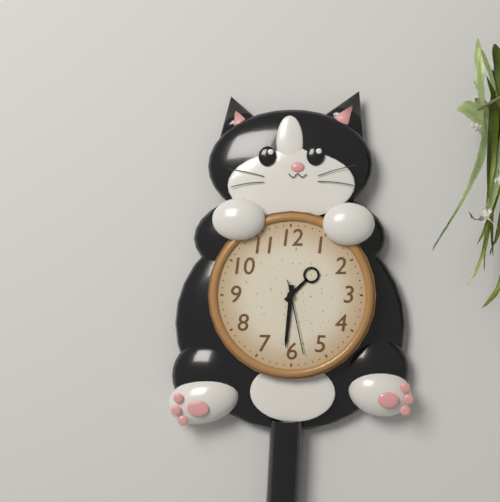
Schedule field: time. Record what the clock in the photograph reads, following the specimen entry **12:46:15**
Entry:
**1:31:28**
